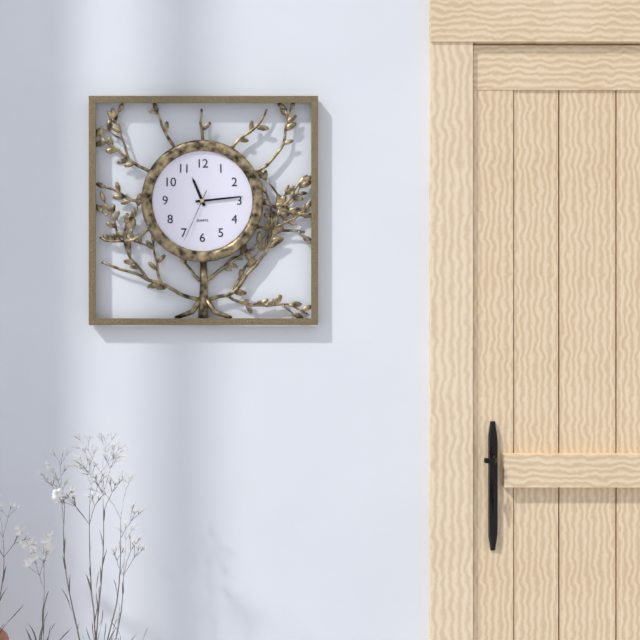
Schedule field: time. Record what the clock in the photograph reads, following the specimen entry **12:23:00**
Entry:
**11:14:34**
